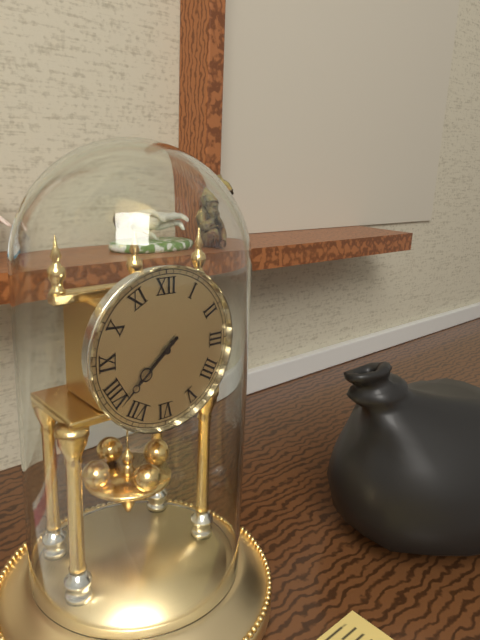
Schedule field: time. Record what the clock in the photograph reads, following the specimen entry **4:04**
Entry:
**7:38**
